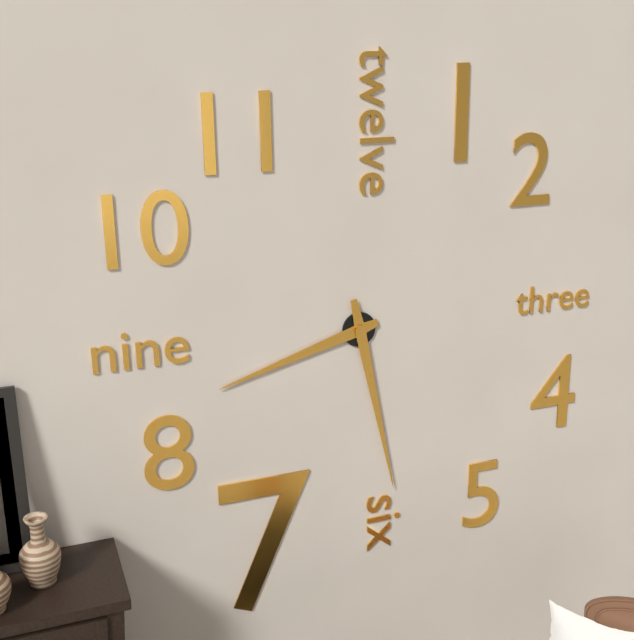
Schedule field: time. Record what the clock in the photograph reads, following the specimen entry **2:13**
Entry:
**8:28**
